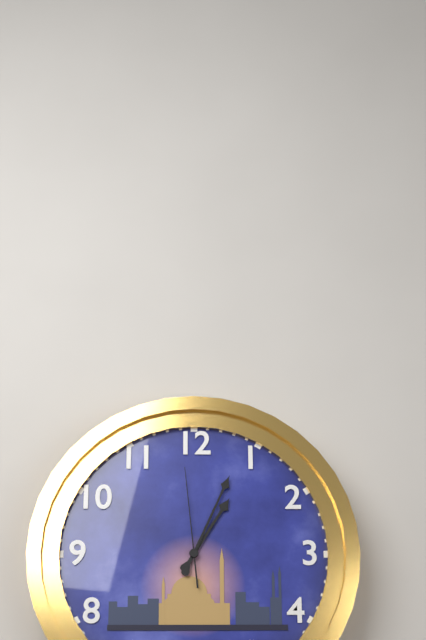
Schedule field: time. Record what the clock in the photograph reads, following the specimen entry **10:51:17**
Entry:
**1:04:59**
